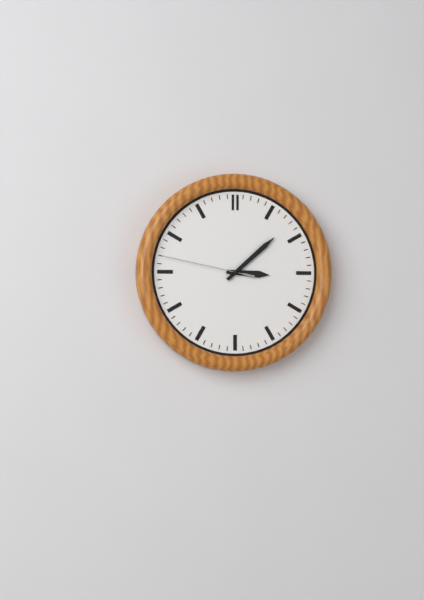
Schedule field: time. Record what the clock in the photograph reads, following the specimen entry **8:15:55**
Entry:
**3:08:47**
